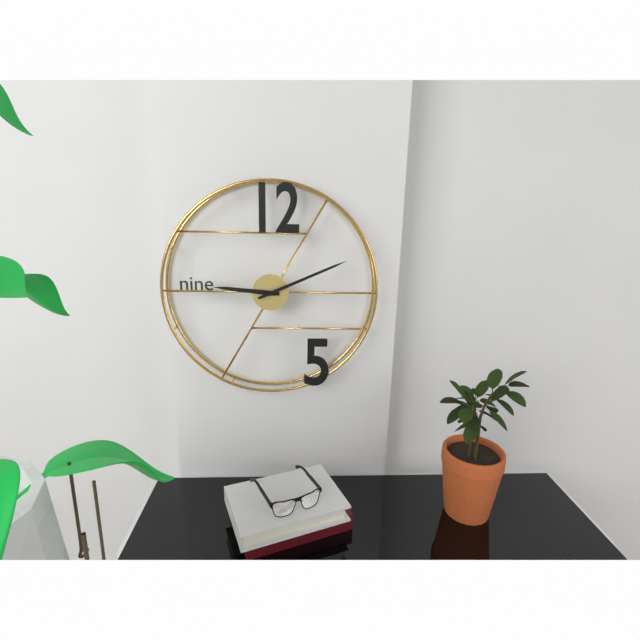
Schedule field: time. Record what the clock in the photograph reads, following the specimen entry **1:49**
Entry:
**9:11**
